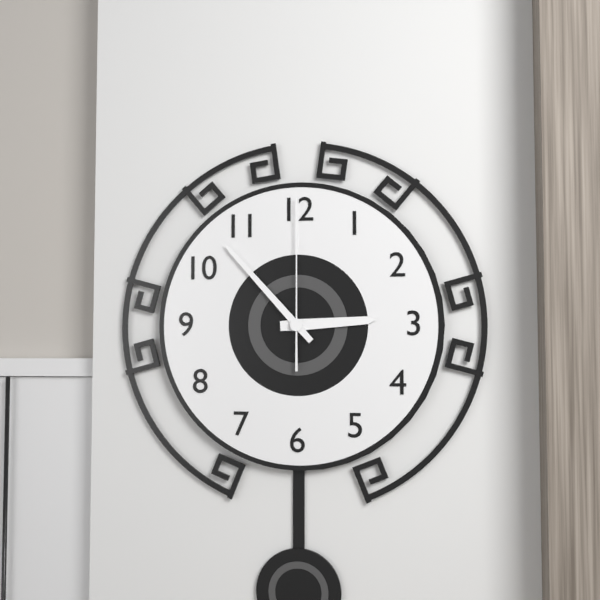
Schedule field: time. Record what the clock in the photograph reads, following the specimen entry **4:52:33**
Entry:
**2:53:00**
